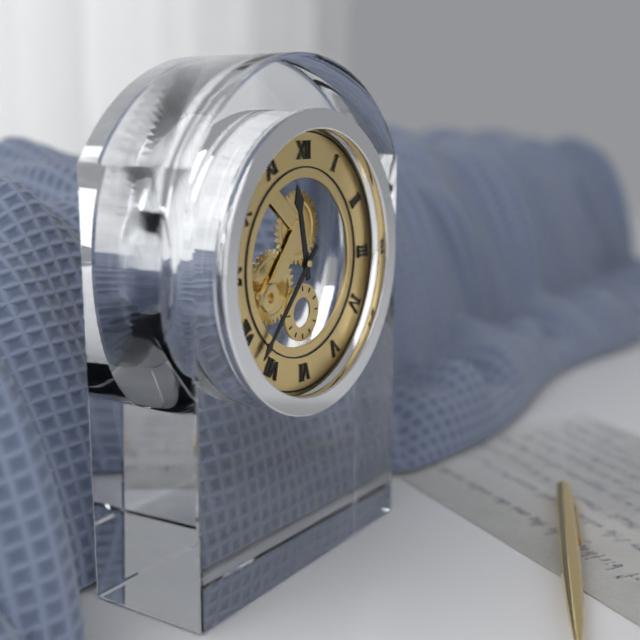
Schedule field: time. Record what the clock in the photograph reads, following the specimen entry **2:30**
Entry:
**11:37**
